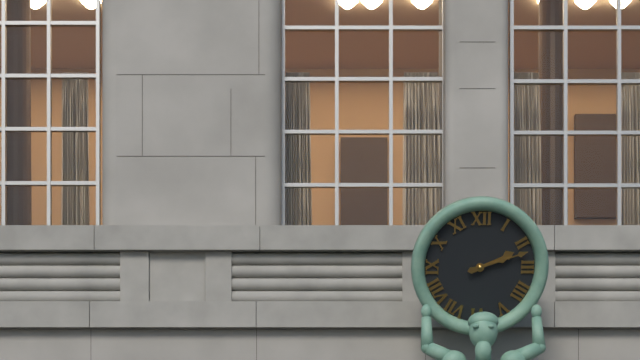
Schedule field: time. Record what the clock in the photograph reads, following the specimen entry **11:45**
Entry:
**2:12**
